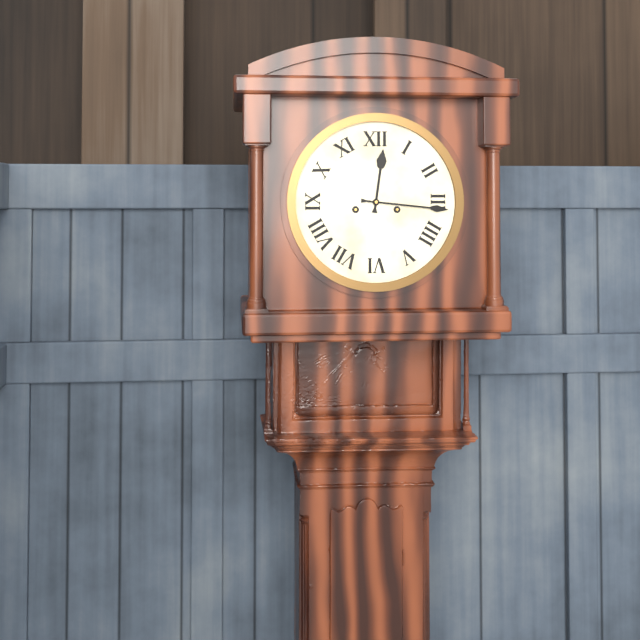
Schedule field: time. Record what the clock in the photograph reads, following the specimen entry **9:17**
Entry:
**12:16**
